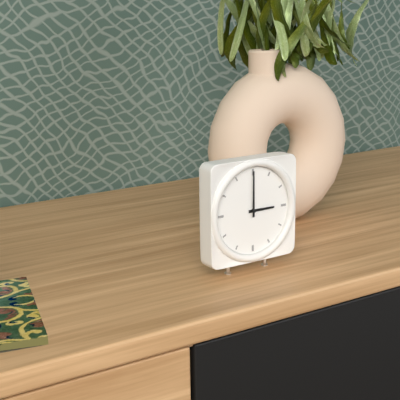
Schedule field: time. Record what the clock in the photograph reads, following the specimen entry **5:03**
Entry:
**3:00**
